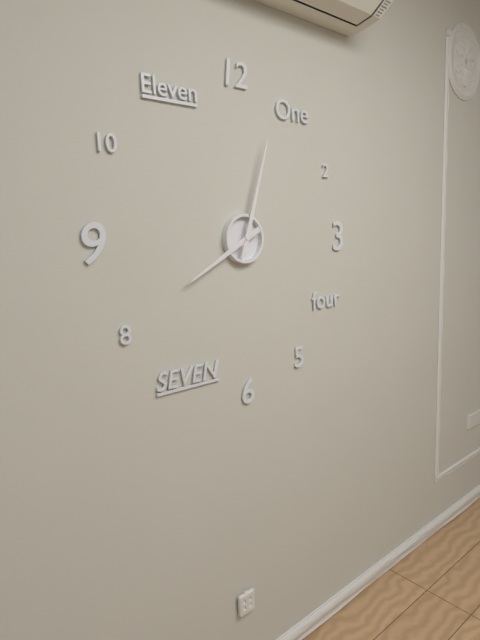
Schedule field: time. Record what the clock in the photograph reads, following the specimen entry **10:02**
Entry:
**8:03**
